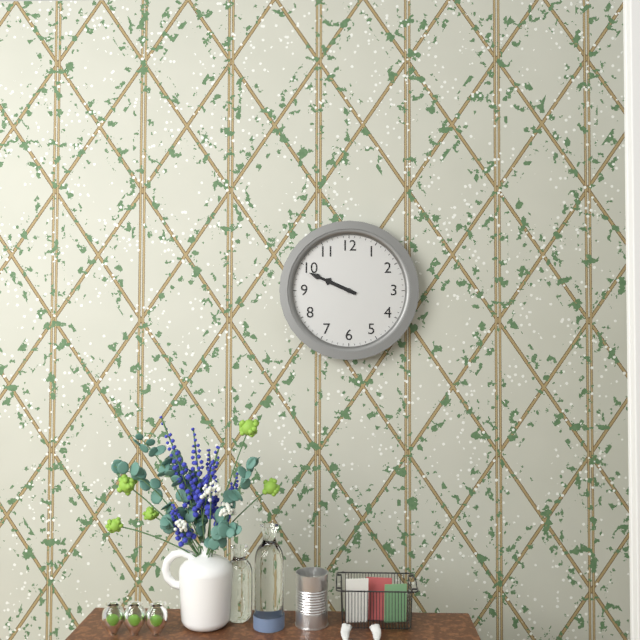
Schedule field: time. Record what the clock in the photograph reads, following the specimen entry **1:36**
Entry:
**9:49**
